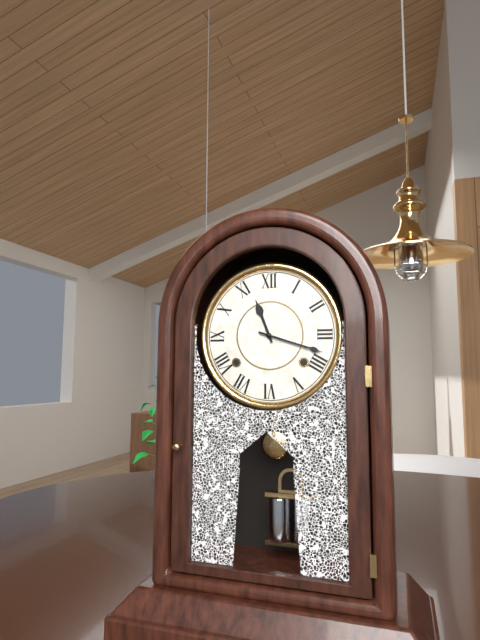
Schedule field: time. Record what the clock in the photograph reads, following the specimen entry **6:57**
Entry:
**11:18**
